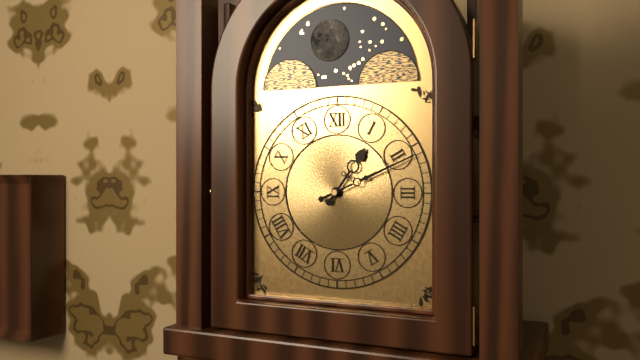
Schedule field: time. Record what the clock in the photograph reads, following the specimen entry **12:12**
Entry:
**1:11**
